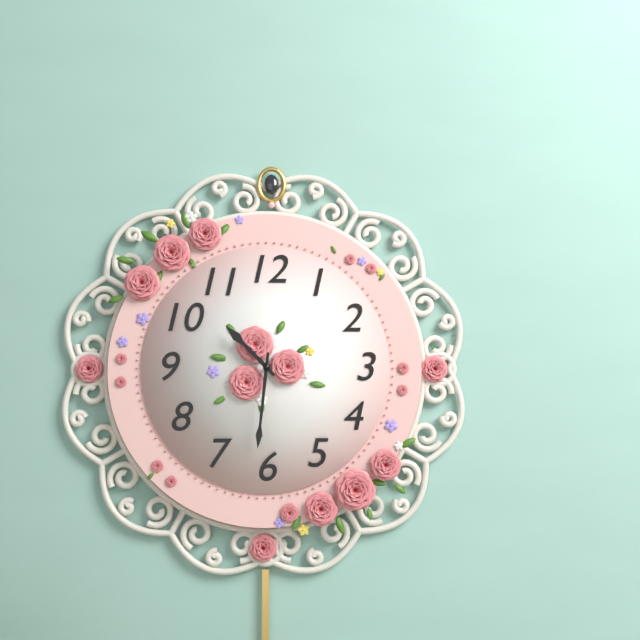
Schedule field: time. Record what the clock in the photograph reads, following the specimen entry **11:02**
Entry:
**10:31**
